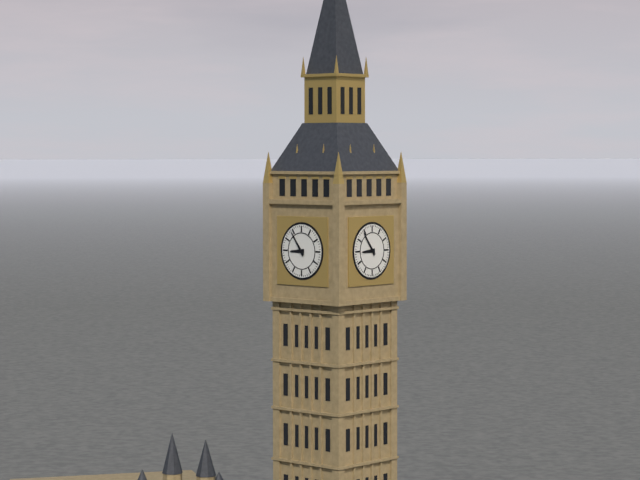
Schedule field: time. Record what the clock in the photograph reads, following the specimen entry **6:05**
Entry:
**8:54**
